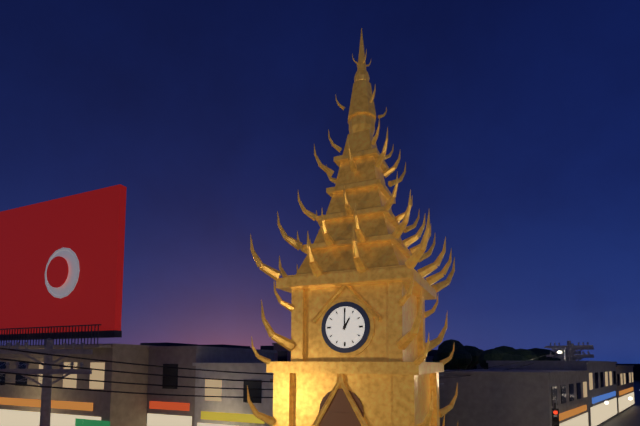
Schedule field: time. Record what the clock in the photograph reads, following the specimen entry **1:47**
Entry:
**1:00**
